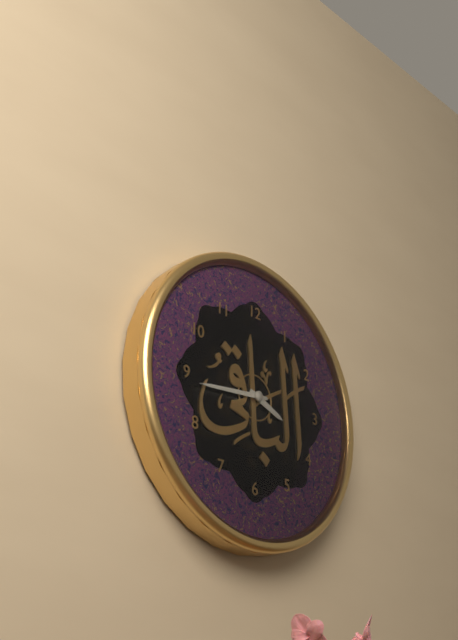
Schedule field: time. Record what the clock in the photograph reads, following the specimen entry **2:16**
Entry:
**3:44**
